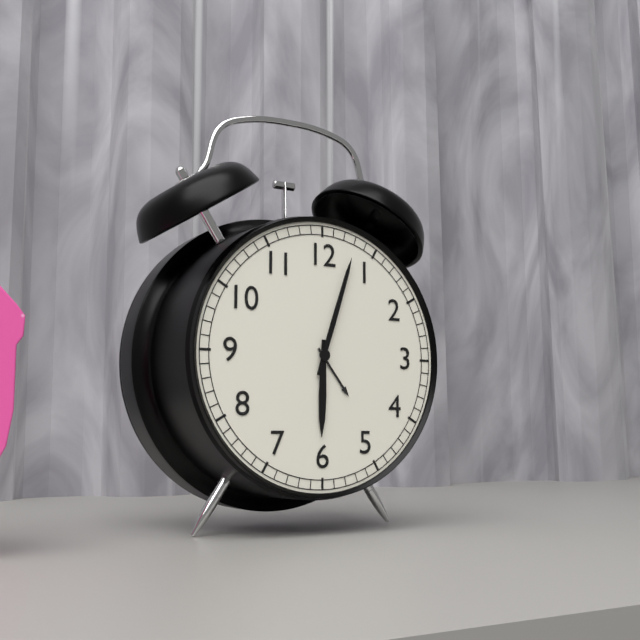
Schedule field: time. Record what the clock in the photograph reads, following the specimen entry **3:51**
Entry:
**6:03**
